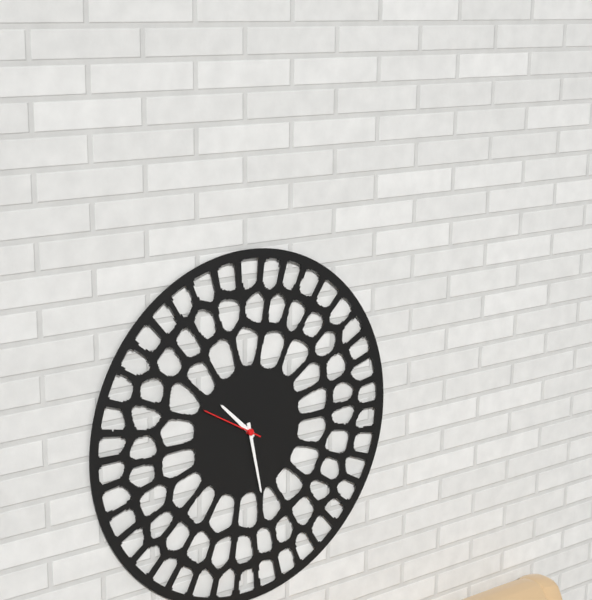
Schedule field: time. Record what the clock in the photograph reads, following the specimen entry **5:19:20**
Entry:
**10:28:50**
